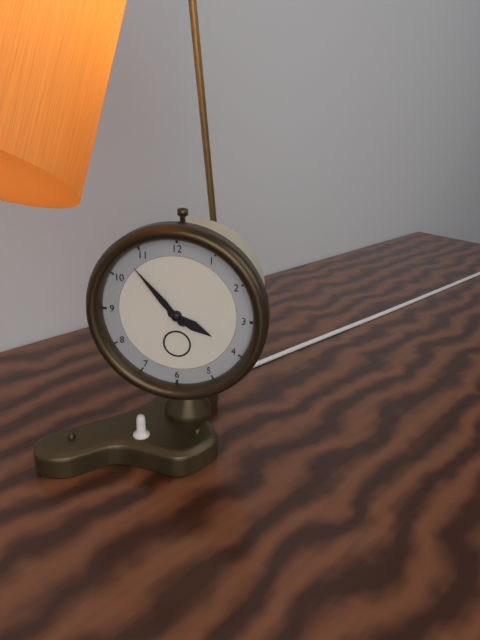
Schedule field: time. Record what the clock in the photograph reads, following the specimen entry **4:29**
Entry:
**3:53**
